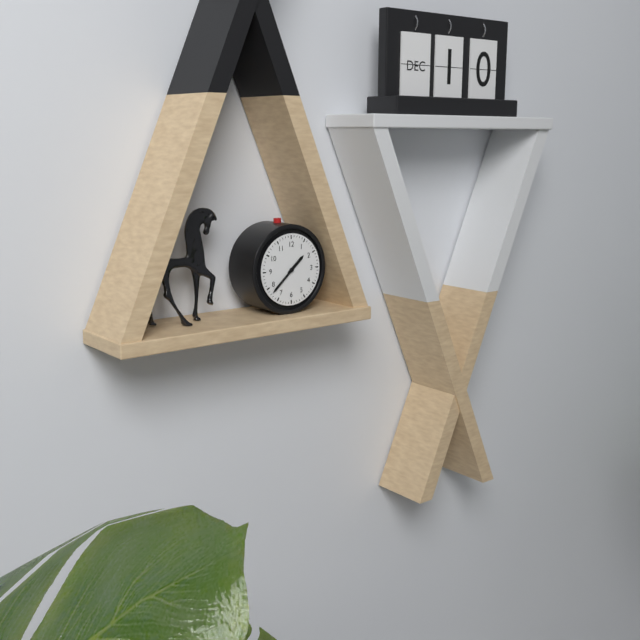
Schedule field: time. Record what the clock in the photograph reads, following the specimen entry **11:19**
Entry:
**1:38**
